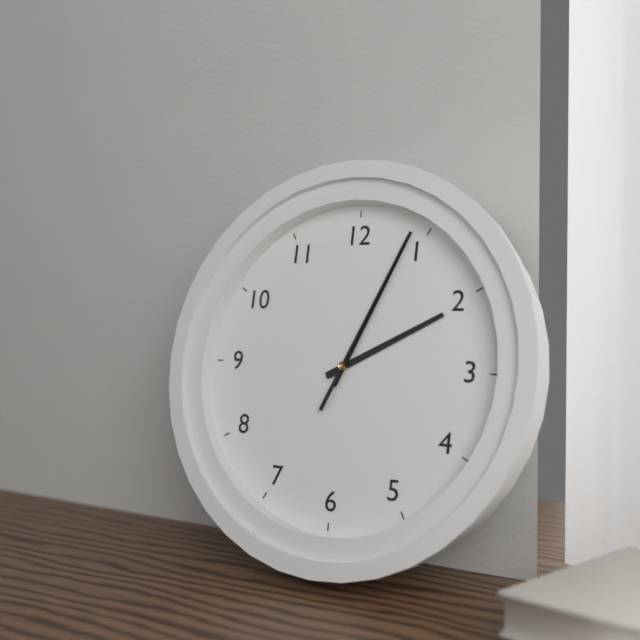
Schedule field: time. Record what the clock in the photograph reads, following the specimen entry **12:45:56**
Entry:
**2:04:04**
